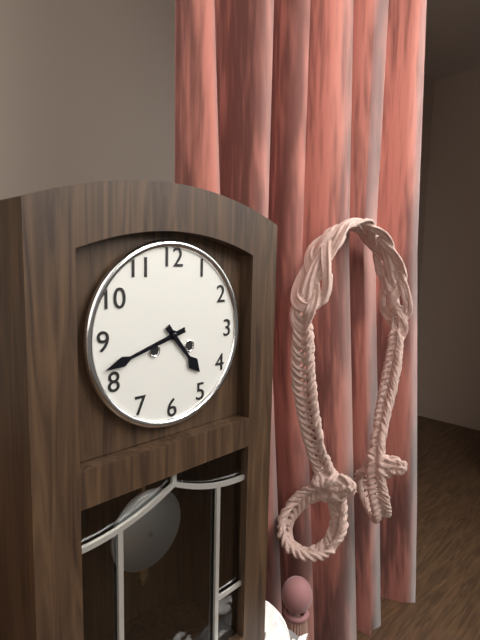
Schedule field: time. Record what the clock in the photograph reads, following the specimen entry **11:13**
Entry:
**4:42**
